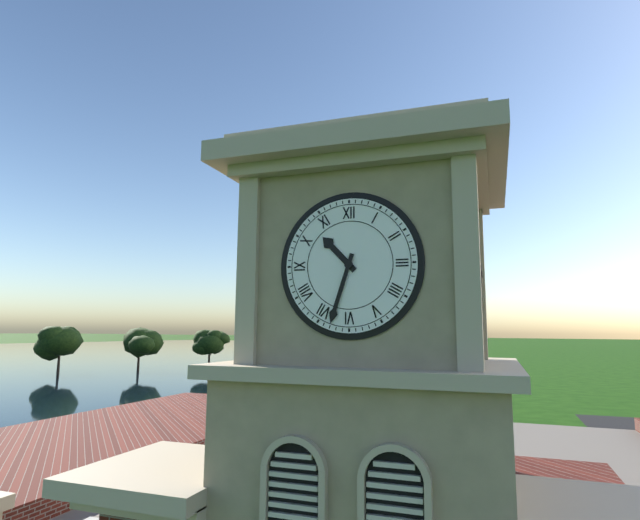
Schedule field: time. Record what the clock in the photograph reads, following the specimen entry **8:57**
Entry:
**10:33**
